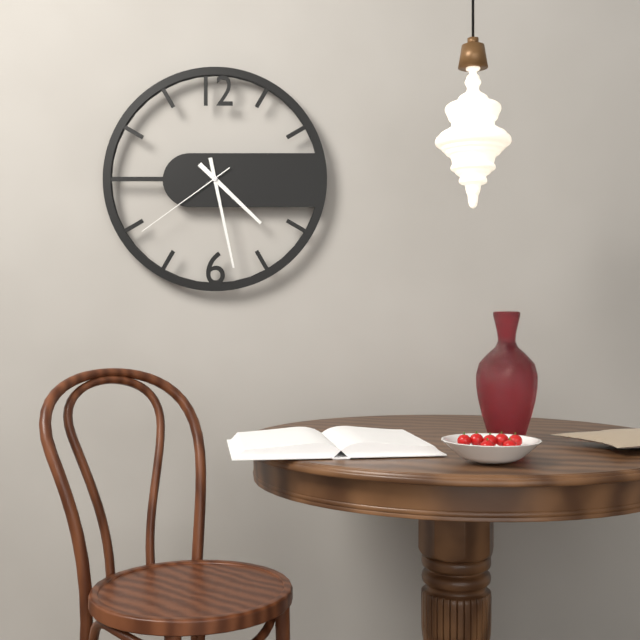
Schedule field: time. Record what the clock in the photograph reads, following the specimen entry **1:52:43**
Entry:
**4:28:39**
